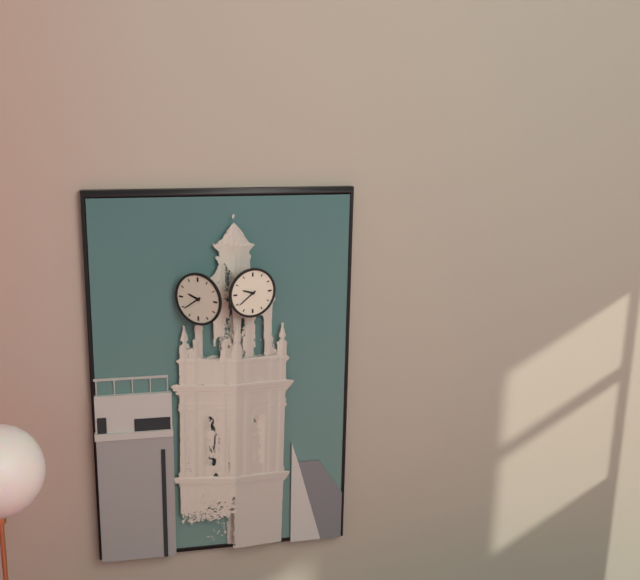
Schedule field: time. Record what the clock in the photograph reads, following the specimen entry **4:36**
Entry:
**9:39**
